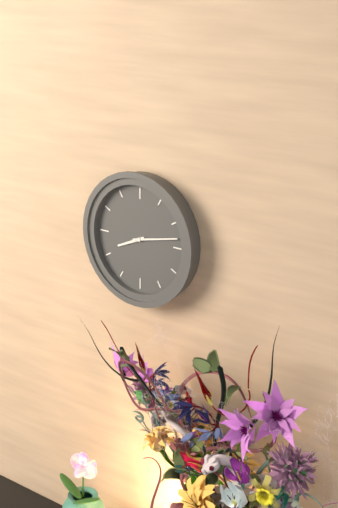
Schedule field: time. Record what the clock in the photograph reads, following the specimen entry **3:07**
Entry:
**8:13**
